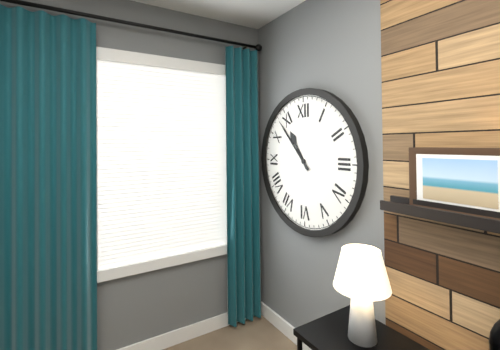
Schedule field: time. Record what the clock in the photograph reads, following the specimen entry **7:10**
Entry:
**10:53**
